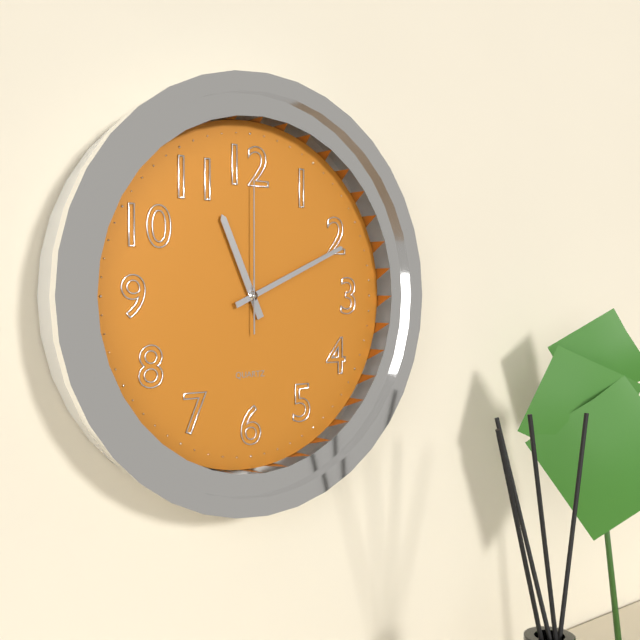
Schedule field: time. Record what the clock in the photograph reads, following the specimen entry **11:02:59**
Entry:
**11:11:00**
